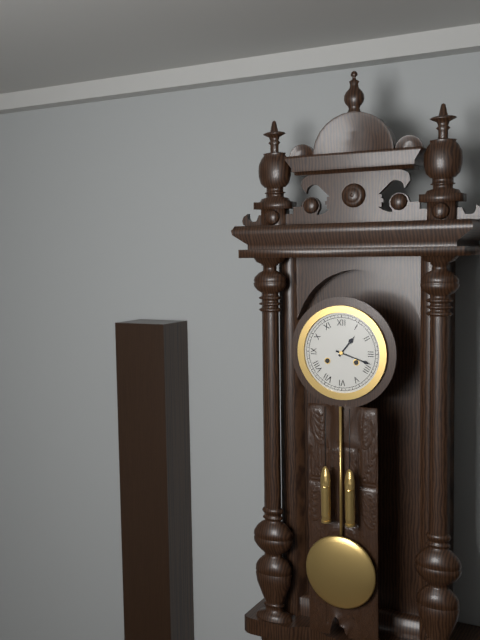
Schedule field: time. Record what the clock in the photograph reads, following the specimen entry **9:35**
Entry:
**1:18**
